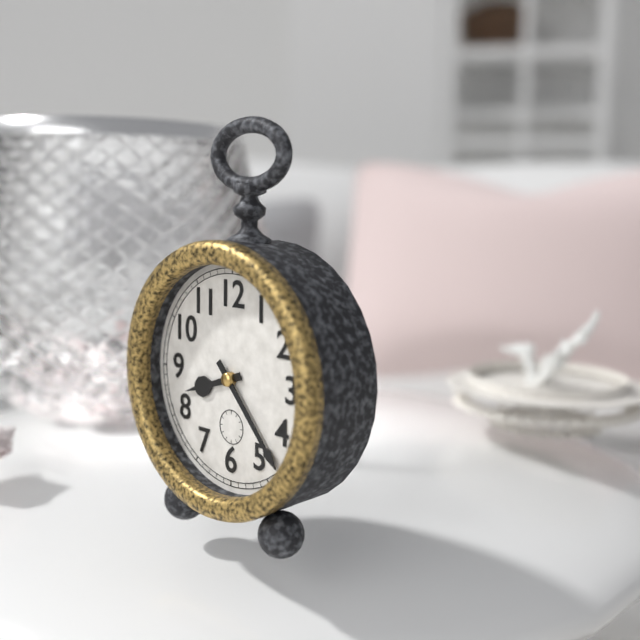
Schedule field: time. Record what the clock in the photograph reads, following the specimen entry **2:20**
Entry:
**8:23**
